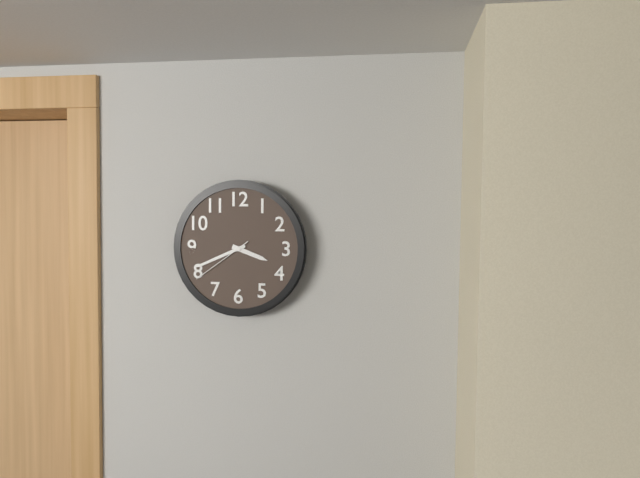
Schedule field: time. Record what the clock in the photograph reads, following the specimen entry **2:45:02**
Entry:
**3:41:39**
